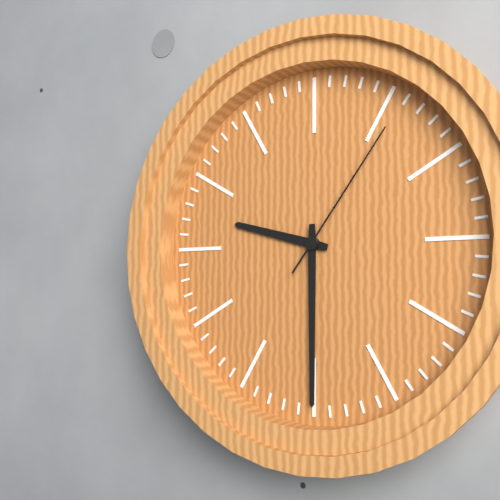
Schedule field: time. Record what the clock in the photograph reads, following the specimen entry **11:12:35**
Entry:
**9:30:06**
